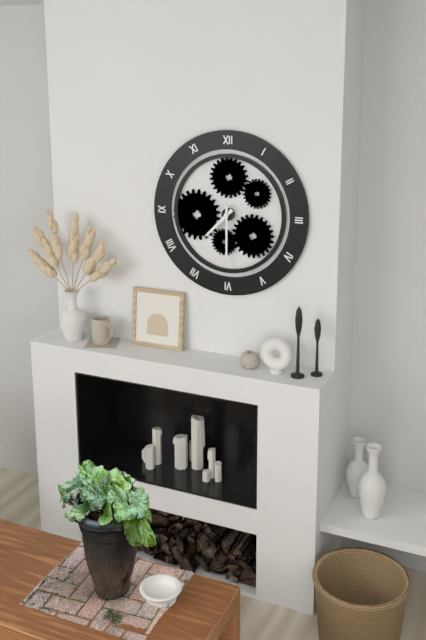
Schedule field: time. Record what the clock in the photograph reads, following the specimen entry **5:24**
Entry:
**7:30**
